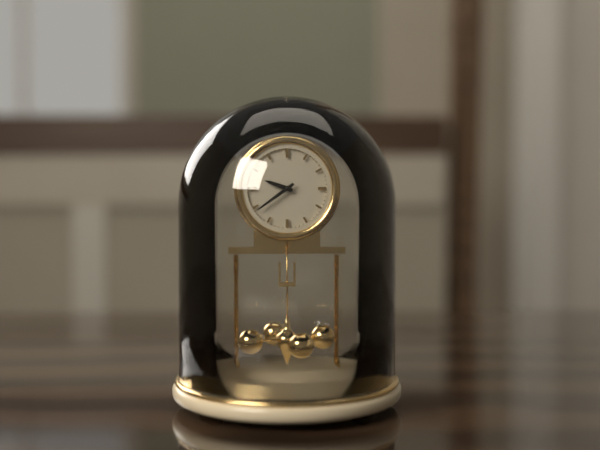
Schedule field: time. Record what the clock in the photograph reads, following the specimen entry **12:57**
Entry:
**9:39**
